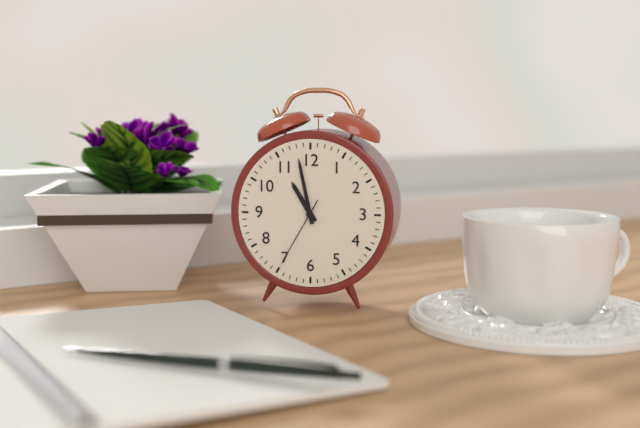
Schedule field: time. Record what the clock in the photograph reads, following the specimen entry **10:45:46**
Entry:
**10:58:35**
